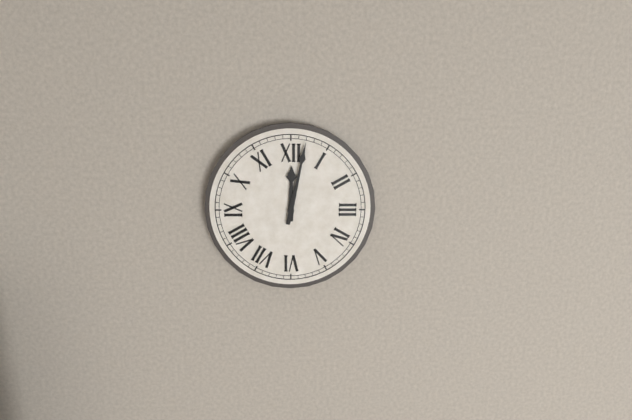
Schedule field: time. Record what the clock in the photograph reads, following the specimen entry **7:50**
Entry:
**12:02**
